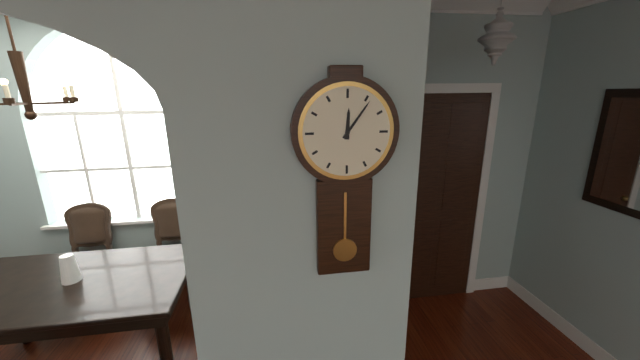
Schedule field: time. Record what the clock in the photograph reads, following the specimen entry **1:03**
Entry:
**12:06**
